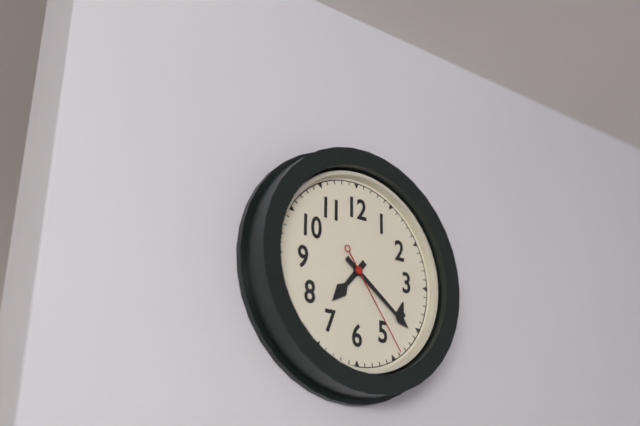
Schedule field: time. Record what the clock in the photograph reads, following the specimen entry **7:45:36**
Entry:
**7:21:24**
